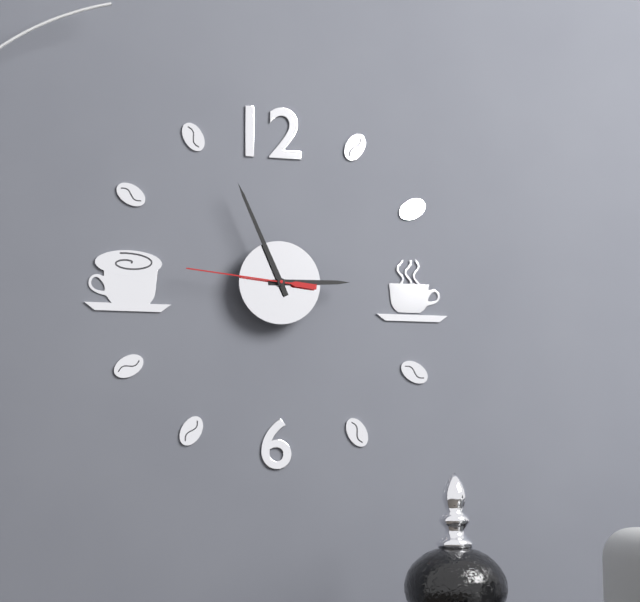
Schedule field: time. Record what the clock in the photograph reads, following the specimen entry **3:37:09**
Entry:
**2:56:46**
